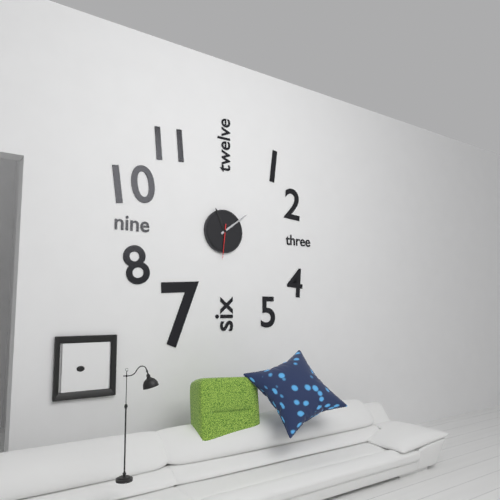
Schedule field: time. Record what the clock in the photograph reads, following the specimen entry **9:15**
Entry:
**11:09**
